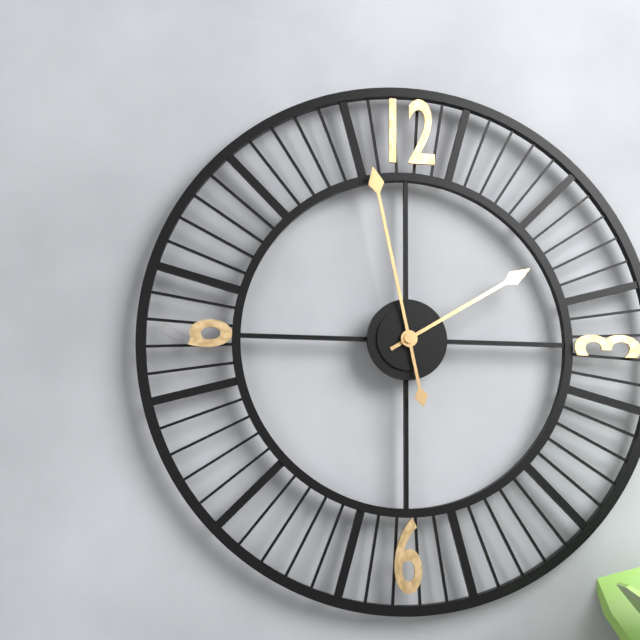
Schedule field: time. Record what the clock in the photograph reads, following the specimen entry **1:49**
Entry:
**1:58**
